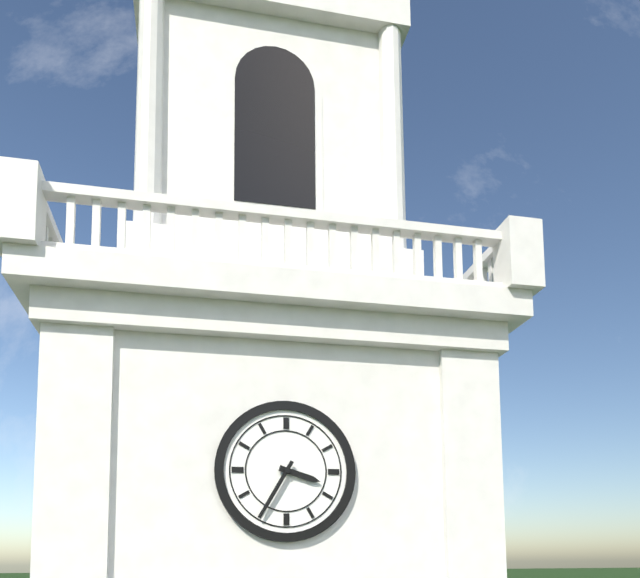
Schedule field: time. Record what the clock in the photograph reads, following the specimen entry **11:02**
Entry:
**3:35**
